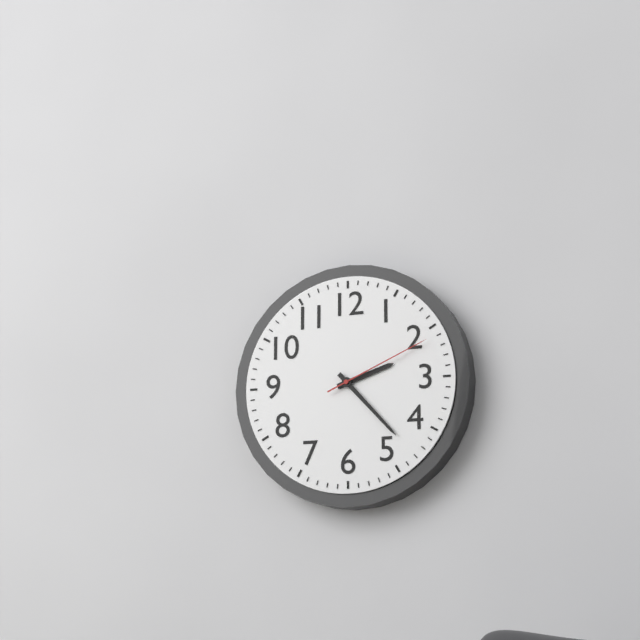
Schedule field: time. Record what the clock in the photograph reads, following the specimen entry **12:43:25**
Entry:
**2:23:11**
